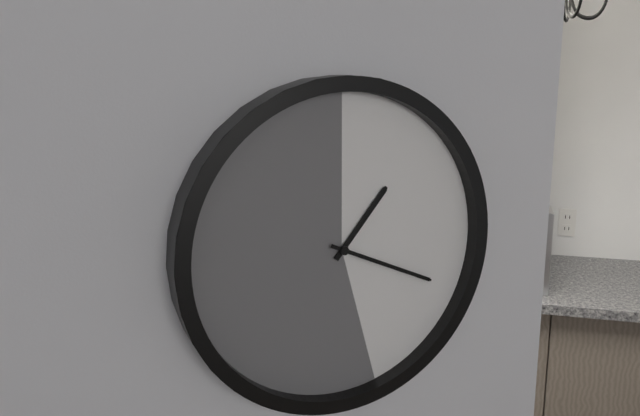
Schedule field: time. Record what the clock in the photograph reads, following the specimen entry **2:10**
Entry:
**1:19**
